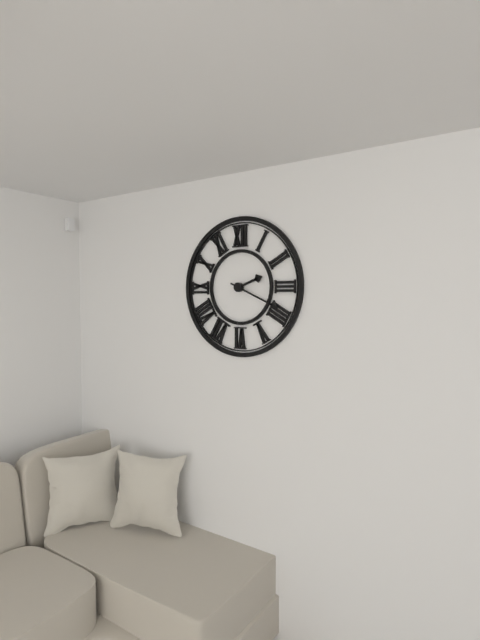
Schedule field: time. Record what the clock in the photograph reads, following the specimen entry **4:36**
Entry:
**2:19**
